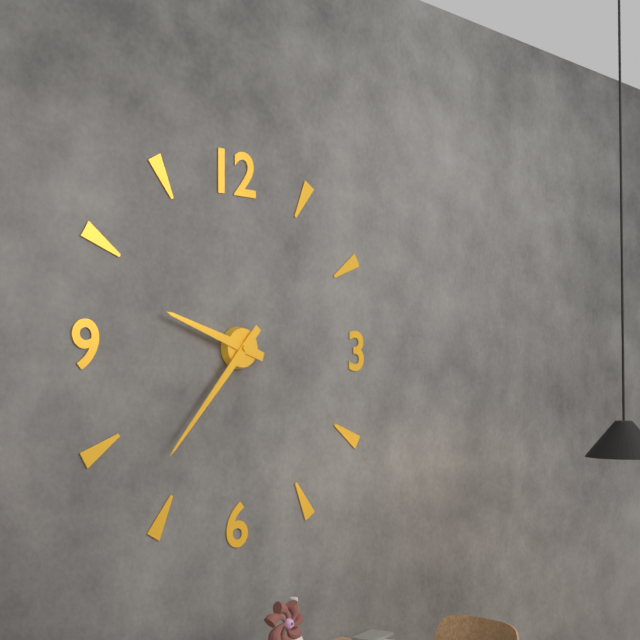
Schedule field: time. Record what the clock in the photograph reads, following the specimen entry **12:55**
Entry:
**9:37**
